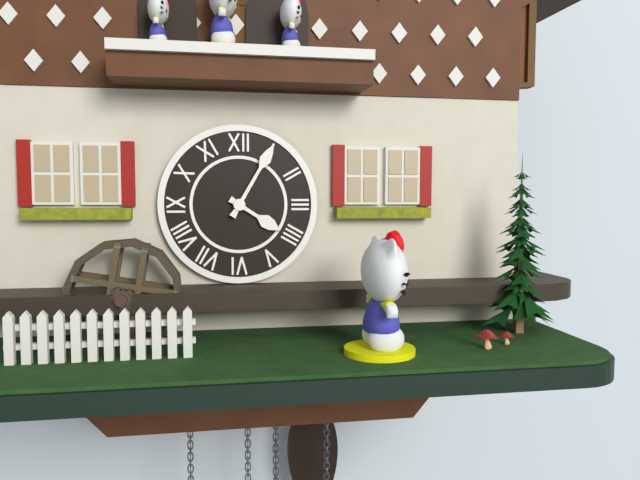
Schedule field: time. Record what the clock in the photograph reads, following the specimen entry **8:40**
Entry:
**4:05**
